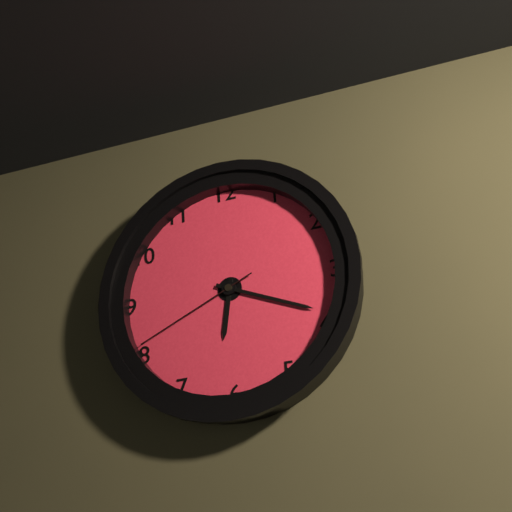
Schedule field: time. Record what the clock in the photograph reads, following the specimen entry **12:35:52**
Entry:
**6:19:41**
